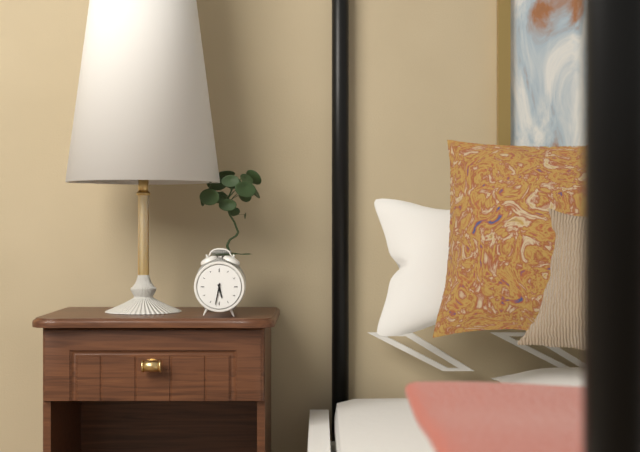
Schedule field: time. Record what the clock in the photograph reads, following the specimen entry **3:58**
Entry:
**5:32**
